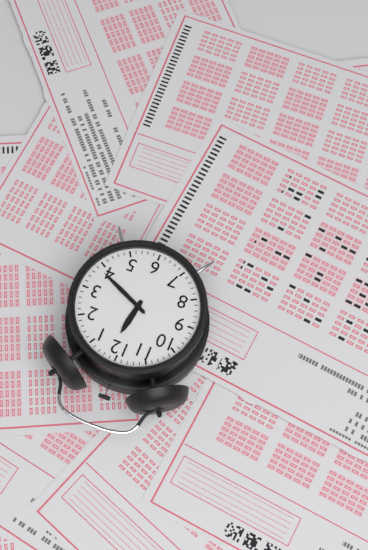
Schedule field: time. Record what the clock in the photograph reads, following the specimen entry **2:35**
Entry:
**12:19**
